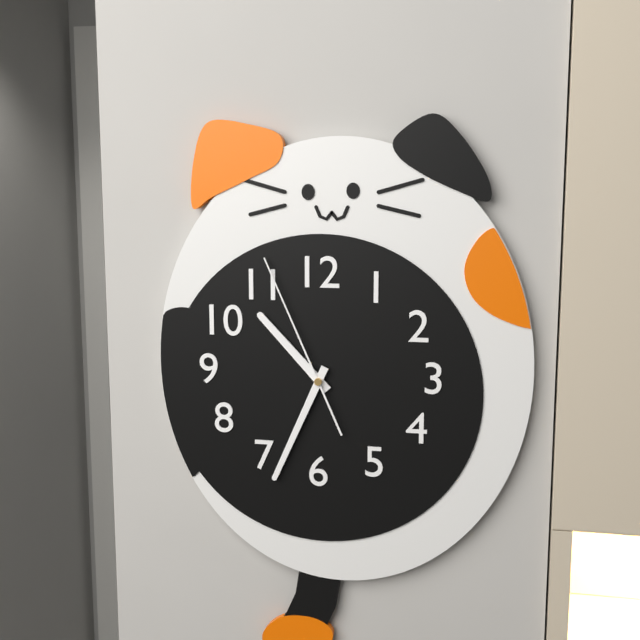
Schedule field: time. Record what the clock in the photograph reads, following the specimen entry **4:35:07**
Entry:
**10:34:56**
